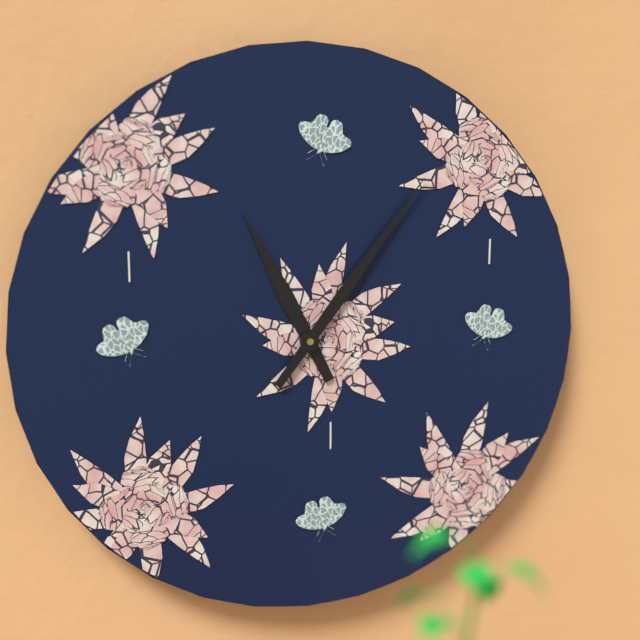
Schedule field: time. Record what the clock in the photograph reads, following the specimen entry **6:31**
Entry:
**11:06**
